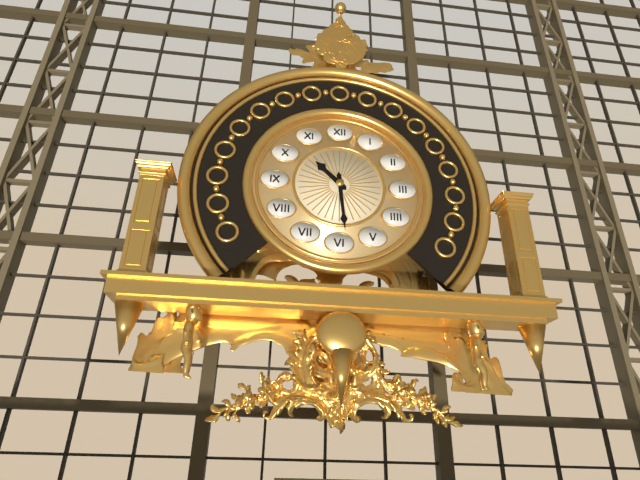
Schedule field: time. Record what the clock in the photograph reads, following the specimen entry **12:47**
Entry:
**10:29**
